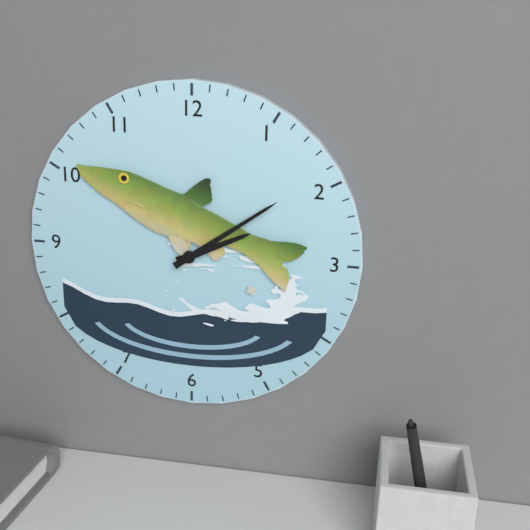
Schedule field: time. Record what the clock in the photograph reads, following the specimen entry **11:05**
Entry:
**2:09**
